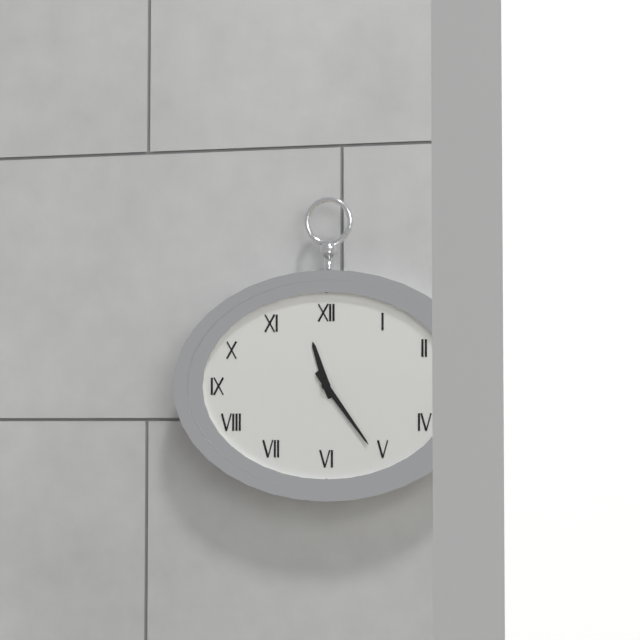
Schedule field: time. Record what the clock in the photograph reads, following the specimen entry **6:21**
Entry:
**11:24**
